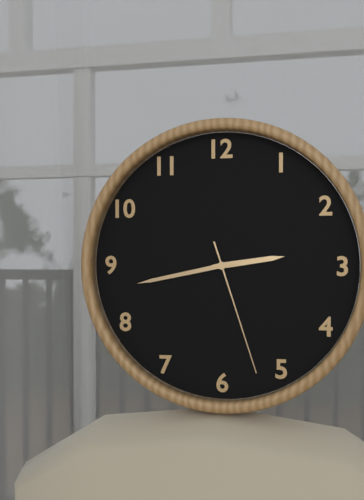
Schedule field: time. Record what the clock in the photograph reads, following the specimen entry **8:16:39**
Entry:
**2:43:27**
